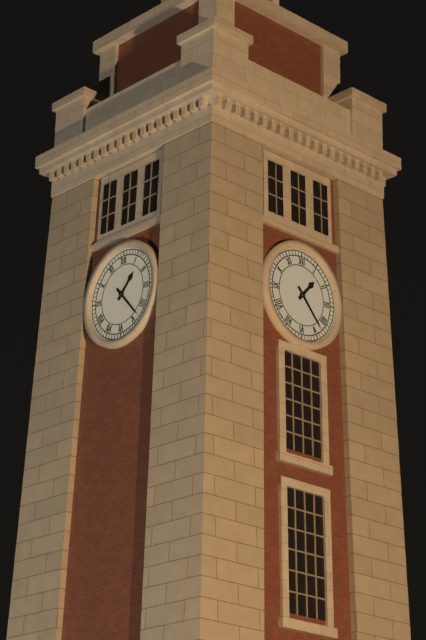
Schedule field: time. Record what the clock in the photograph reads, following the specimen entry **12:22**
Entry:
**1:23**
